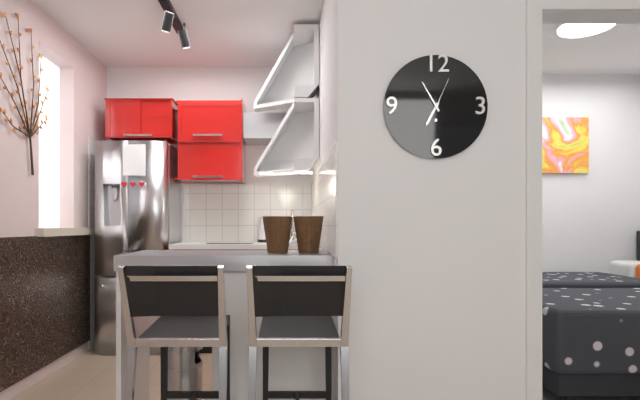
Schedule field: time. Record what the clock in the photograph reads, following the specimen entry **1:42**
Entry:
**6:55**
